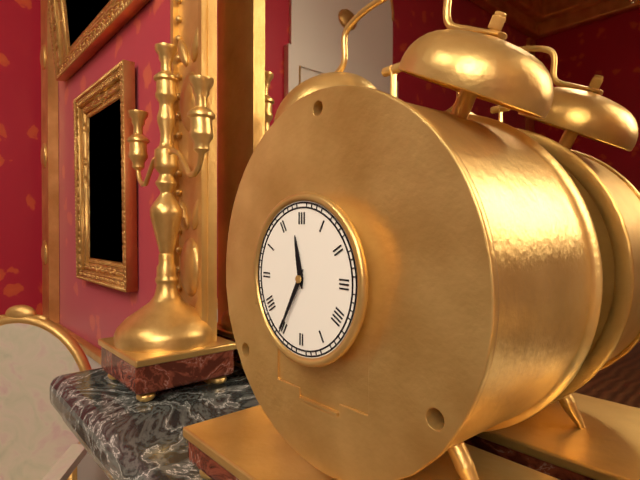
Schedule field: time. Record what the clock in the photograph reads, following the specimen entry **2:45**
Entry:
**11:35**
